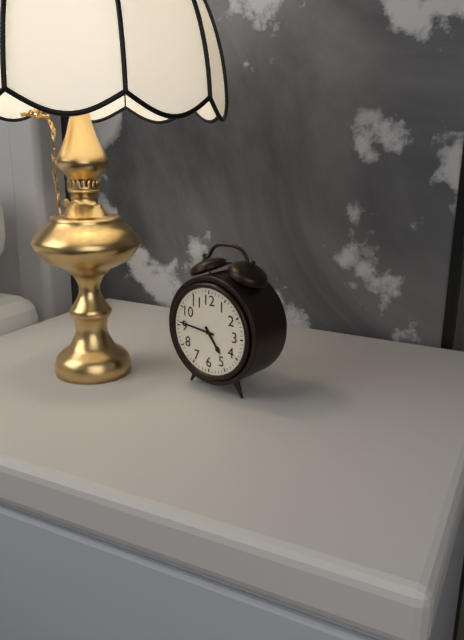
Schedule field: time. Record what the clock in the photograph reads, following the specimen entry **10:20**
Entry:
**4:46**
